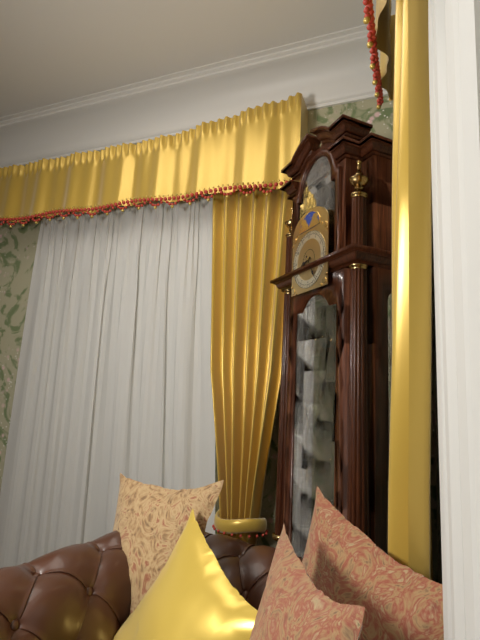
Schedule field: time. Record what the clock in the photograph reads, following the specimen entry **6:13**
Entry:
**8:25**
